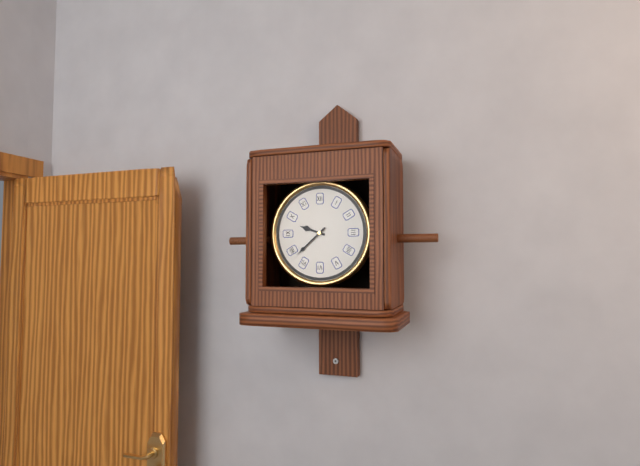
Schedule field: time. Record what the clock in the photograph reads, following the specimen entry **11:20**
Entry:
**9:38**
